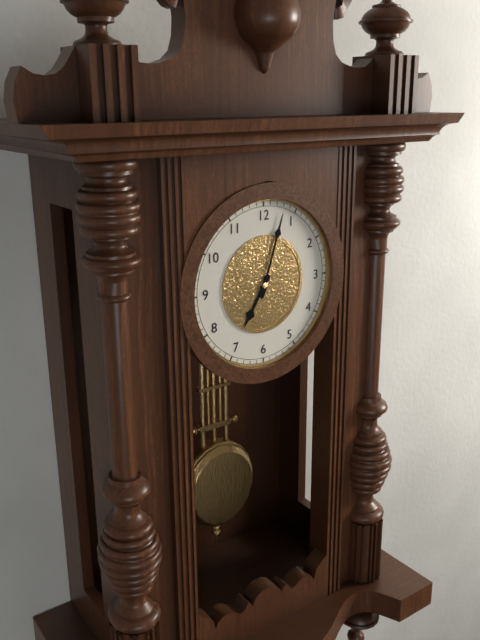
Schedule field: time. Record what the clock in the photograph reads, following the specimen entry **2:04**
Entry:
**7:03**
